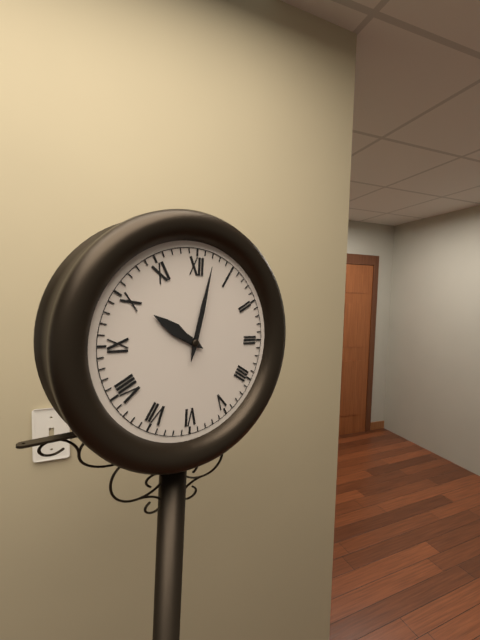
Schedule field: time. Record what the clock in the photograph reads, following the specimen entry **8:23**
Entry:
**10:02**
